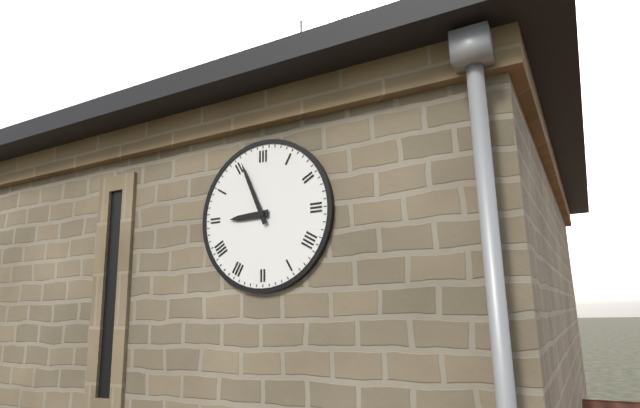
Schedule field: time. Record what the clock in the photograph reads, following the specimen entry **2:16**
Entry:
**8:56**
